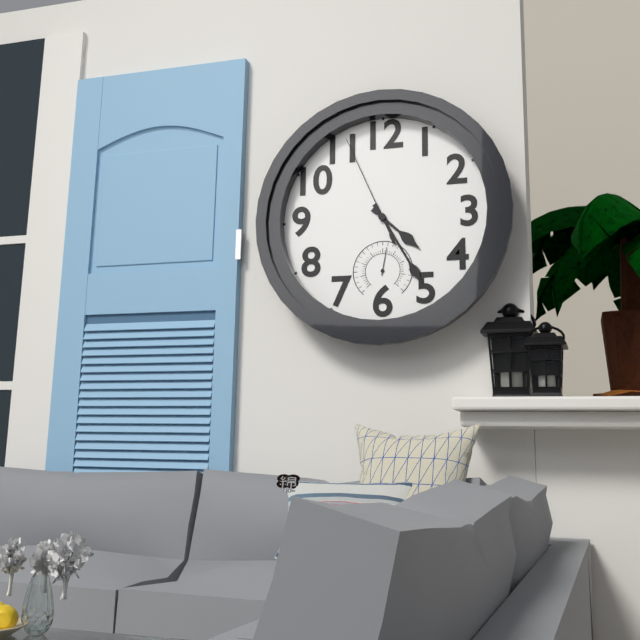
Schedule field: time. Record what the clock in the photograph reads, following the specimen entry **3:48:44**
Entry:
**4:25:56**
